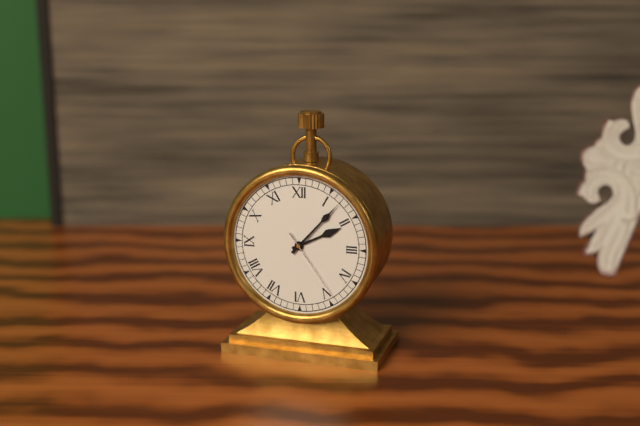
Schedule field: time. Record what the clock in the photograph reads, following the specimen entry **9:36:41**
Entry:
**2:07:24**
